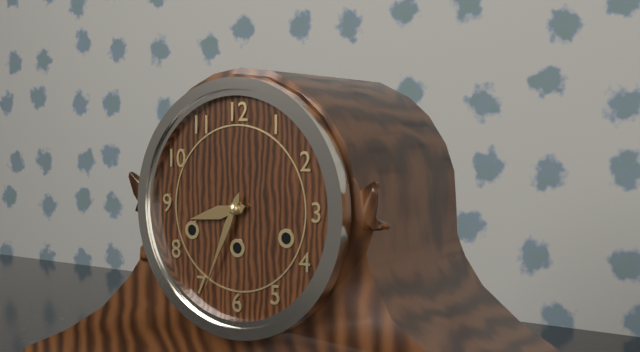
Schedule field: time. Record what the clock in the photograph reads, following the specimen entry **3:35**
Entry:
**8:34**
